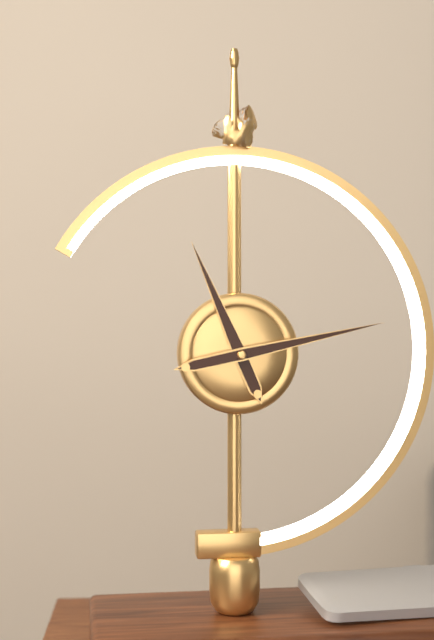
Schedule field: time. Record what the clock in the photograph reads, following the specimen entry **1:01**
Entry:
**11:13**
